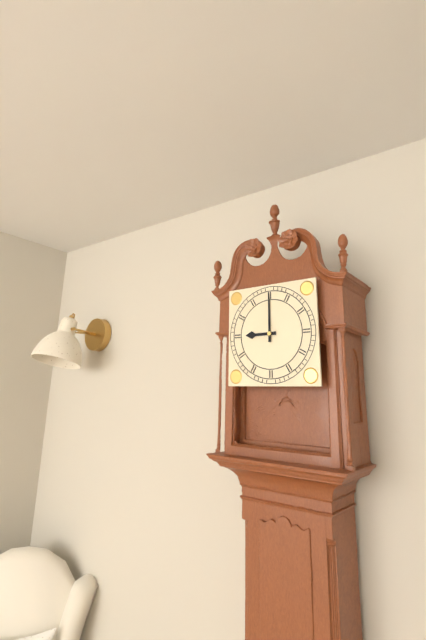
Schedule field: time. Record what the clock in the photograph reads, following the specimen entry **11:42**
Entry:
**9:00**
